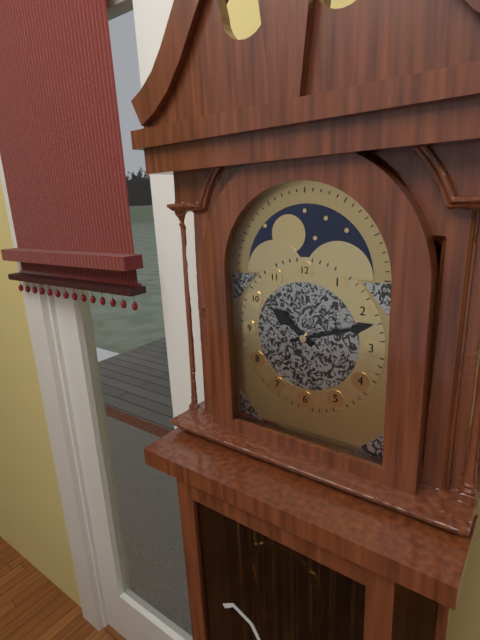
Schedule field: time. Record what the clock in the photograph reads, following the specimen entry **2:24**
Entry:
**10:12**
